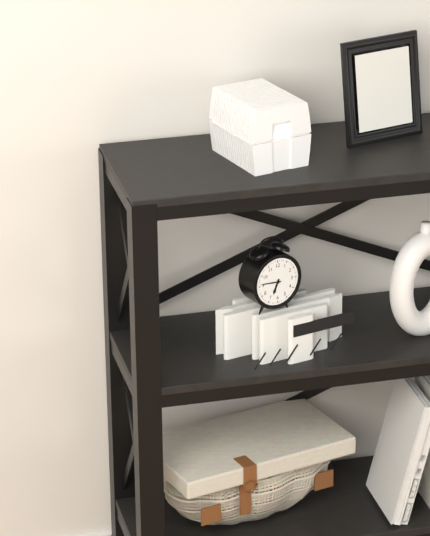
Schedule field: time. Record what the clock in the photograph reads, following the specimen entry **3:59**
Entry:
**6:46**
